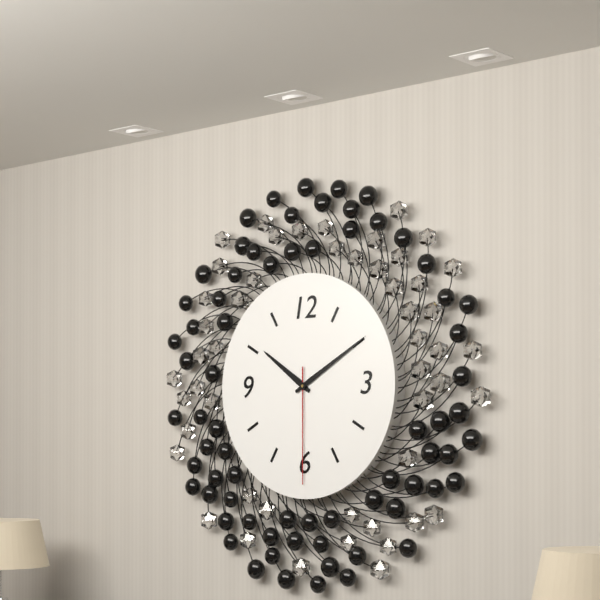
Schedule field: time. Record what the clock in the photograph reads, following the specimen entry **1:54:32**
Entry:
**10:10:30**
